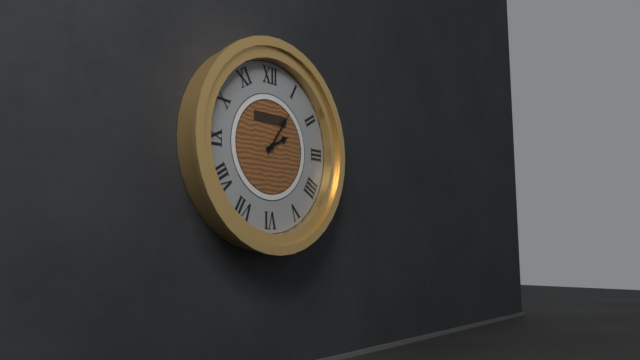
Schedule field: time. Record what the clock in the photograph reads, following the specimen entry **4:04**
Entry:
**2:06**
